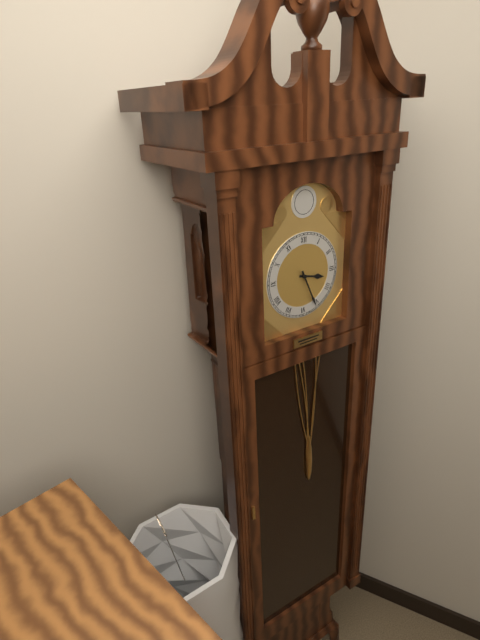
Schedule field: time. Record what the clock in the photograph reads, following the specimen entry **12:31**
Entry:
**3:26**
